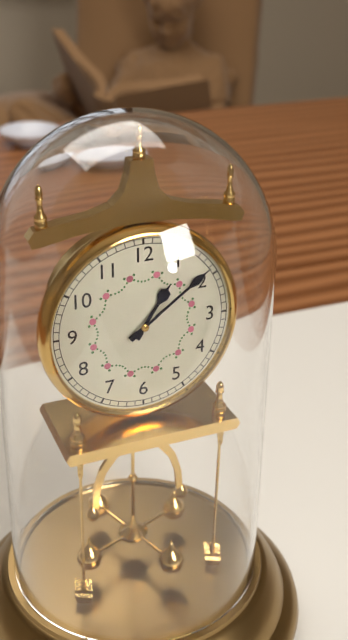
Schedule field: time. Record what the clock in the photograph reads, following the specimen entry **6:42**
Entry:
**1:09**
